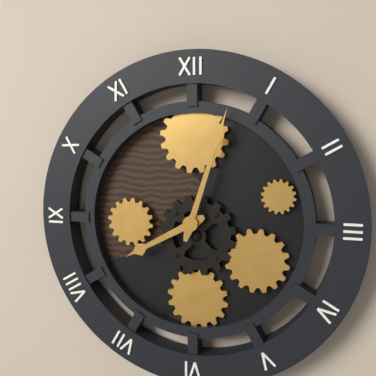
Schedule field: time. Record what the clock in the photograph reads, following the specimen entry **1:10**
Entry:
**8:03**
